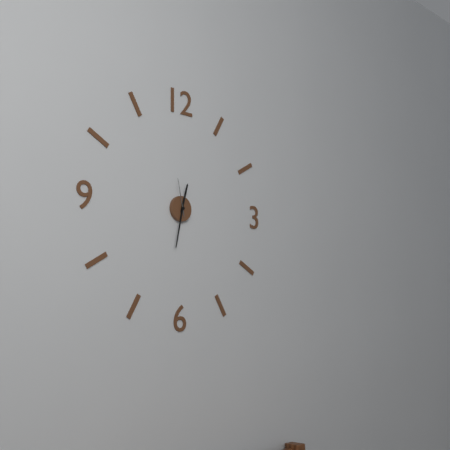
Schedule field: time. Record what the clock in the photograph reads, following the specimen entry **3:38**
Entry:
**12:32**
